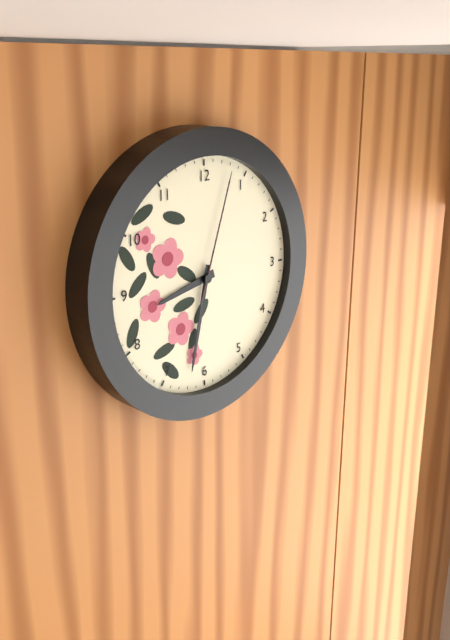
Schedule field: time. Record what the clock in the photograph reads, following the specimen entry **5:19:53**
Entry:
**8:32:03**
